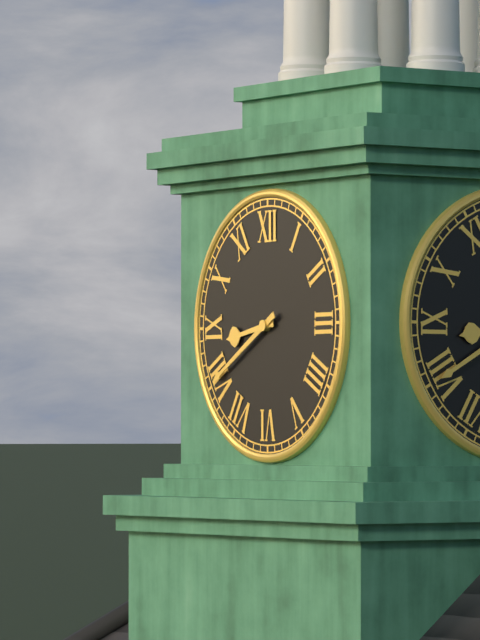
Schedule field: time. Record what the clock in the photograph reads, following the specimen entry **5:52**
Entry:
**8:40**
